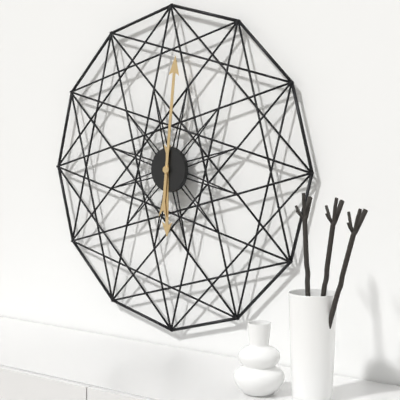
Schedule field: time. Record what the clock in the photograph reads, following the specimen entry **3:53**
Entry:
**6:01**
